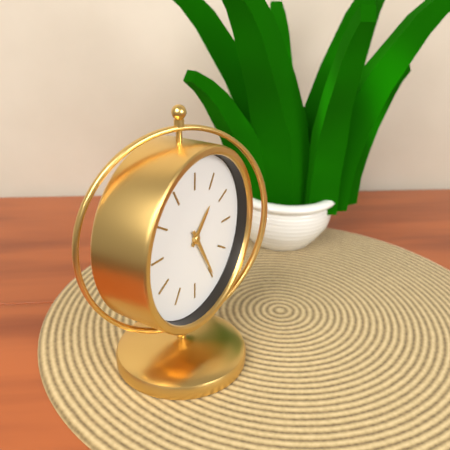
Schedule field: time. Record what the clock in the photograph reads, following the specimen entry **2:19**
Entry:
**1:25**
